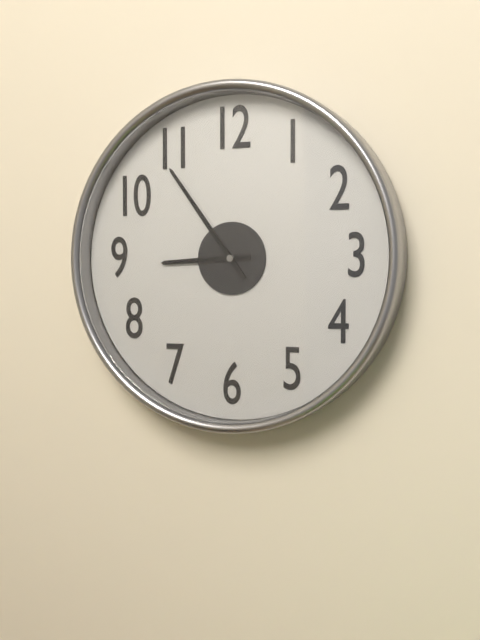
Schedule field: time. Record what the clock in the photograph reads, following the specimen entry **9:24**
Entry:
**8:54**
